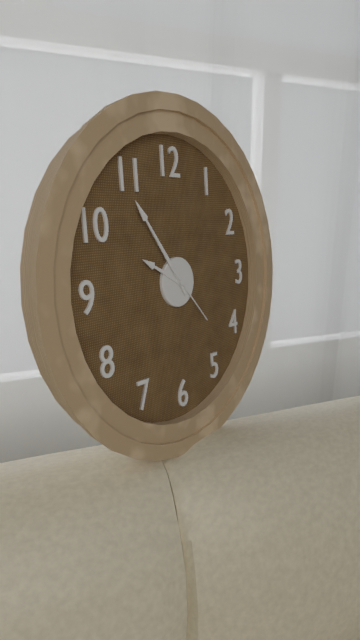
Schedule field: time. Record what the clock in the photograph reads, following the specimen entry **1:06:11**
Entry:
**9:54:23**
